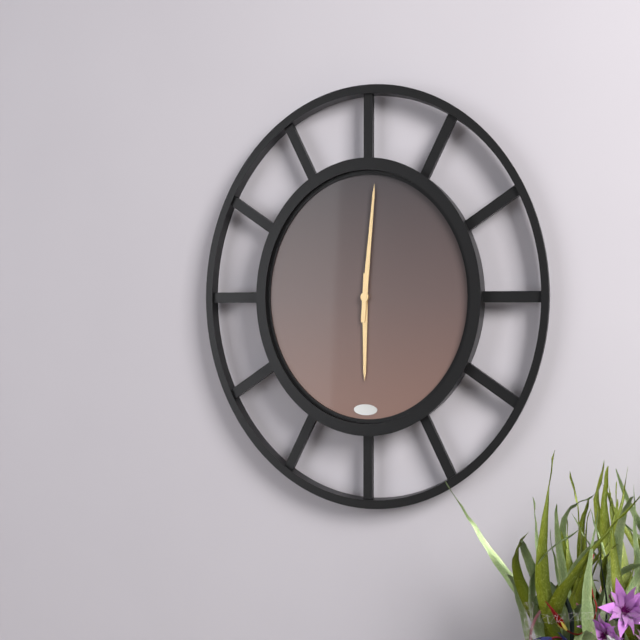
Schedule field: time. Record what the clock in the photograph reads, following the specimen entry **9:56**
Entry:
**6:01**
